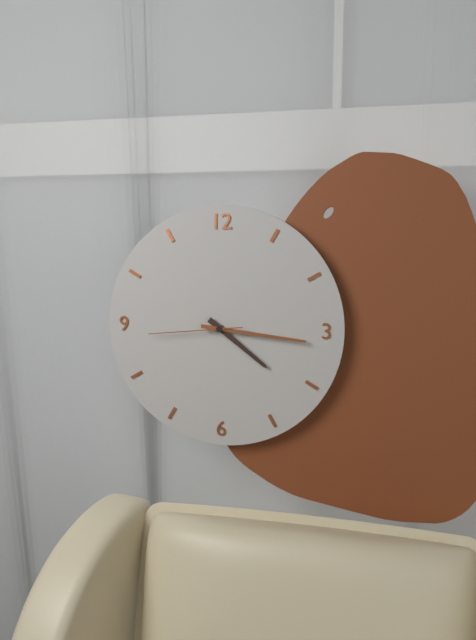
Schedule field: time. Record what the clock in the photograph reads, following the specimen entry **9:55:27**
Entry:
**4:16:44**
